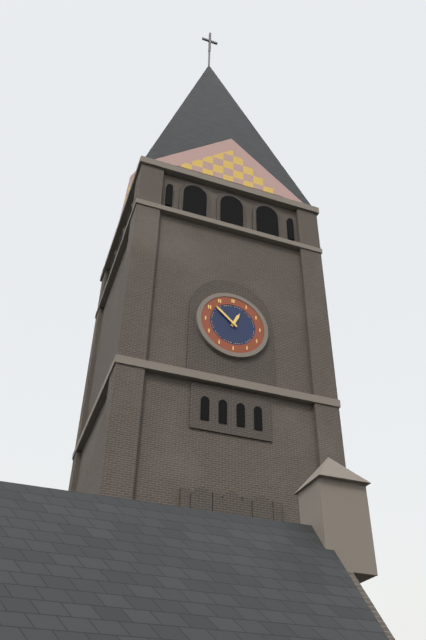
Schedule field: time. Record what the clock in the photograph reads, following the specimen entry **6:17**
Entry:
**12:52**
